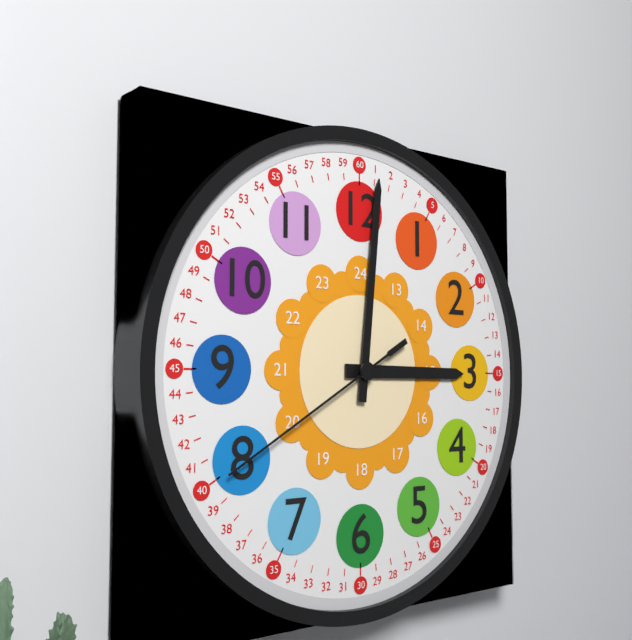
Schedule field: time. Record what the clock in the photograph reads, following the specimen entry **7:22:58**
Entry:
**3:01:40**
